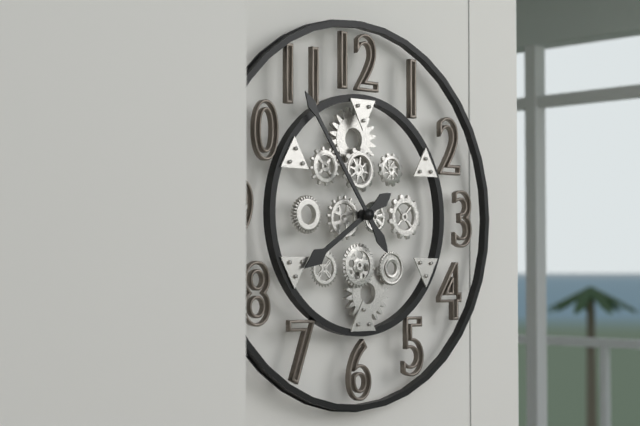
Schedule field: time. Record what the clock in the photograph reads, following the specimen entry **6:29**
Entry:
**7:54**
